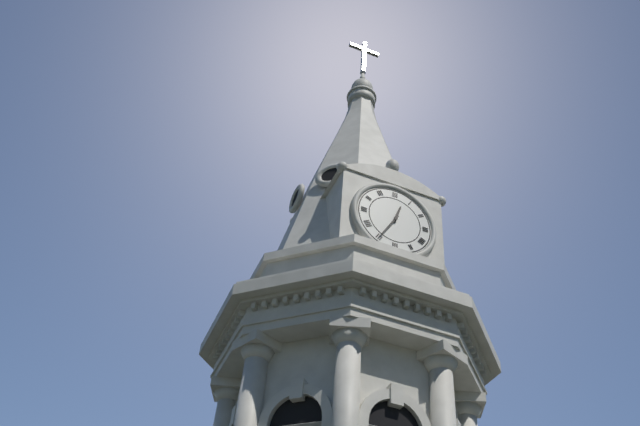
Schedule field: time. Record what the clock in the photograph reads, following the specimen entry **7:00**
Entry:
**12:35**
